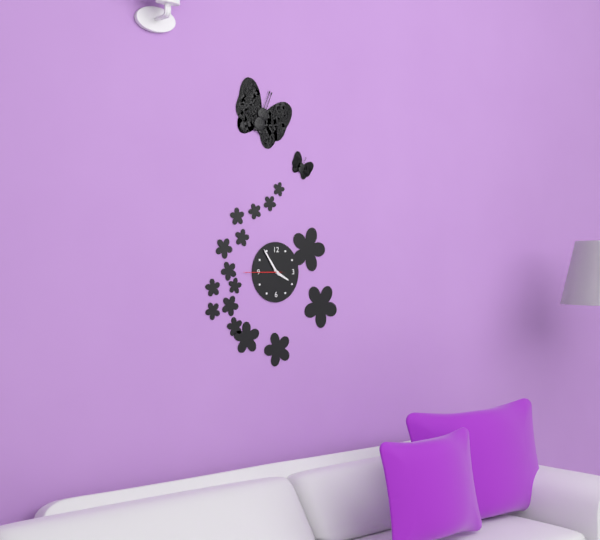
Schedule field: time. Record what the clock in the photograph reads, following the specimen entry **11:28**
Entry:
**3:54**
